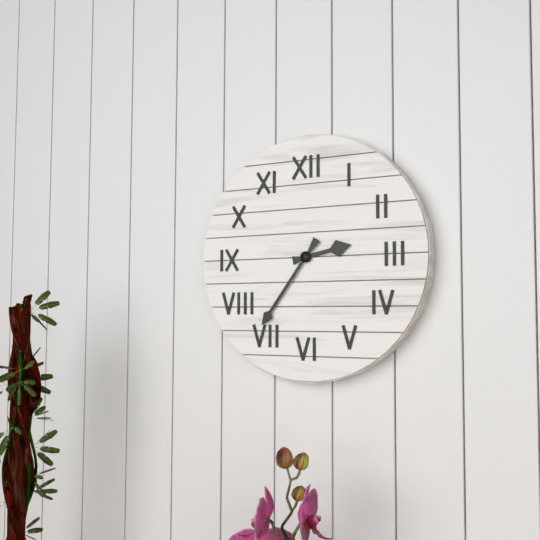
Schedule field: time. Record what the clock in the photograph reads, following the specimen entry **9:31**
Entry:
**2:36**
